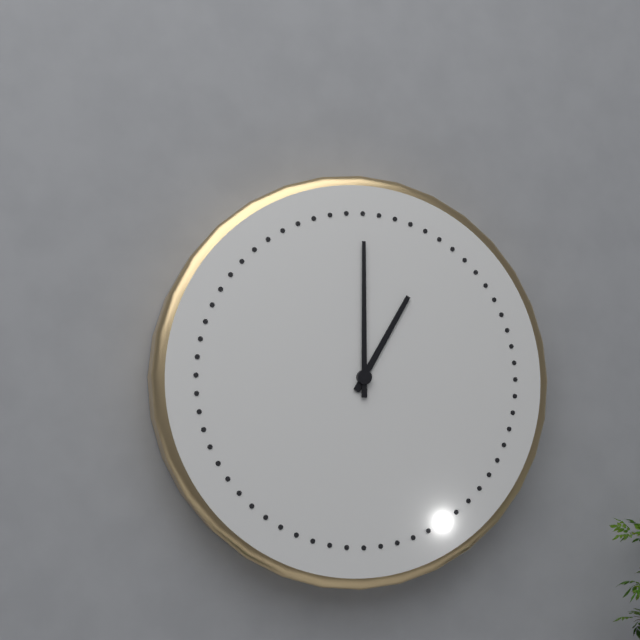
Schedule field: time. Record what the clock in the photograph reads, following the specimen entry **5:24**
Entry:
**1:00**
